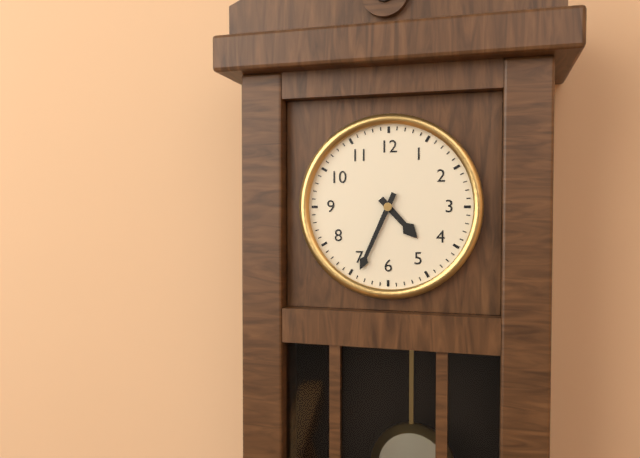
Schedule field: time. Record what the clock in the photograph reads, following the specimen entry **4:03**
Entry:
**4:34**
